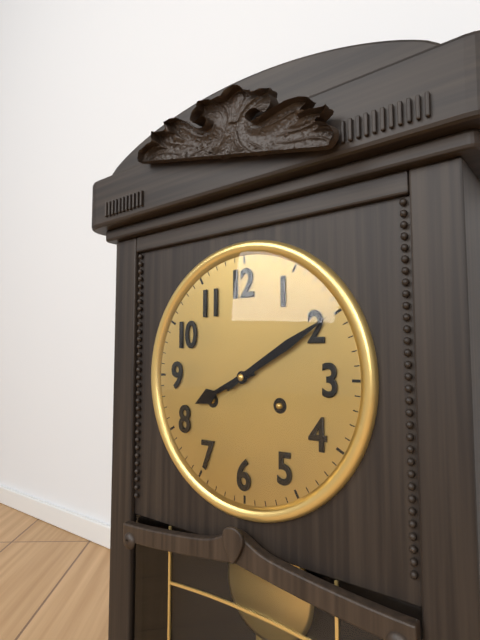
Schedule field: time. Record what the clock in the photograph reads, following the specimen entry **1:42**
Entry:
**8:10**
